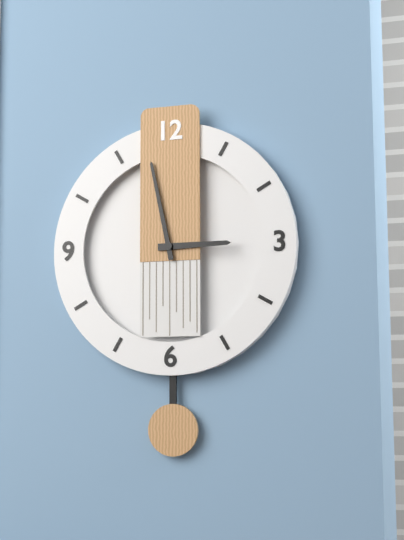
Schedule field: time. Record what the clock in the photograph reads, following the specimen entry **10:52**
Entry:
**2:58**
